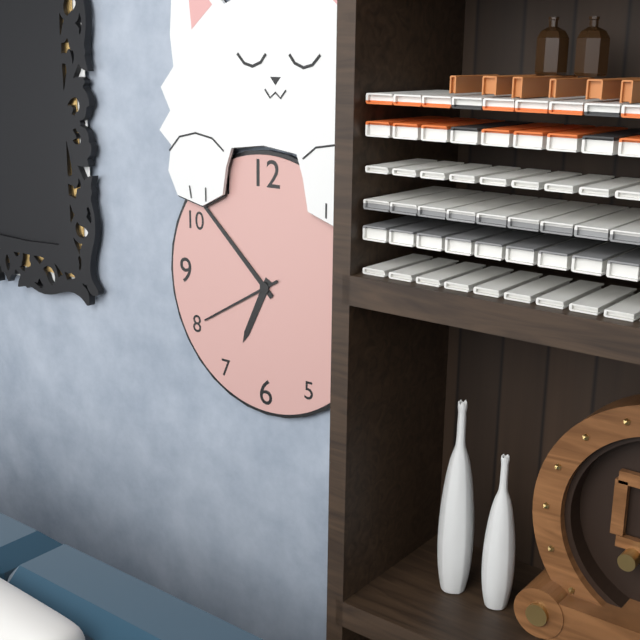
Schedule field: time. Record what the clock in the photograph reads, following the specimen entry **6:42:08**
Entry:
**6:52:40**
